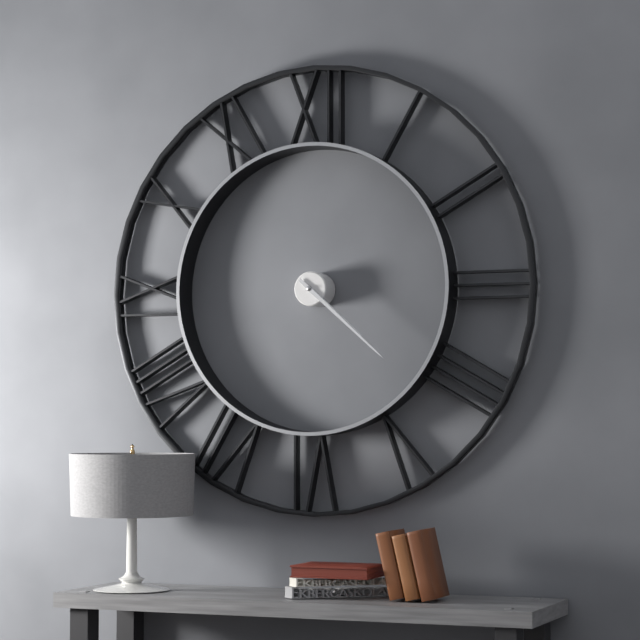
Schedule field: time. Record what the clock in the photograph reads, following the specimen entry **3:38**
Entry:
**4:22**
